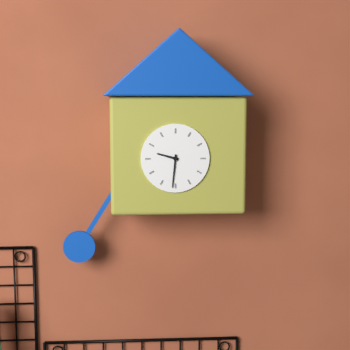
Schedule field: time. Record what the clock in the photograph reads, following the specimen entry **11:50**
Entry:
**9:31**
